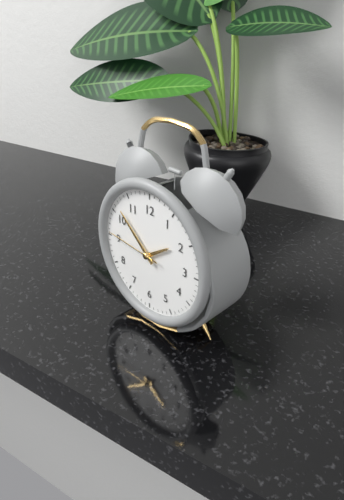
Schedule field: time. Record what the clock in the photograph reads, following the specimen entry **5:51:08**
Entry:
**1:52:46**
